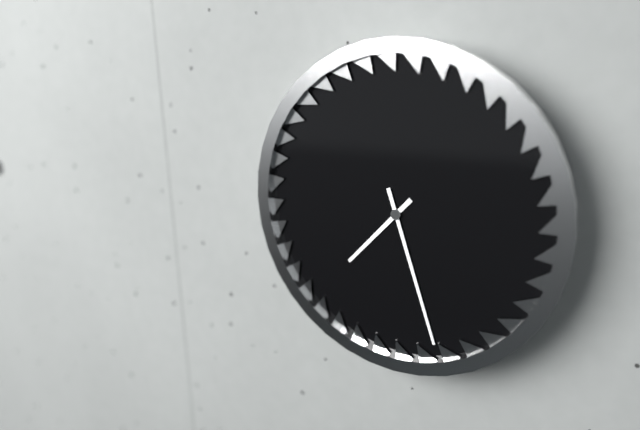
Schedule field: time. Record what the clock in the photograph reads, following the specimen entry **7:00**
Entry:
**7:27**
